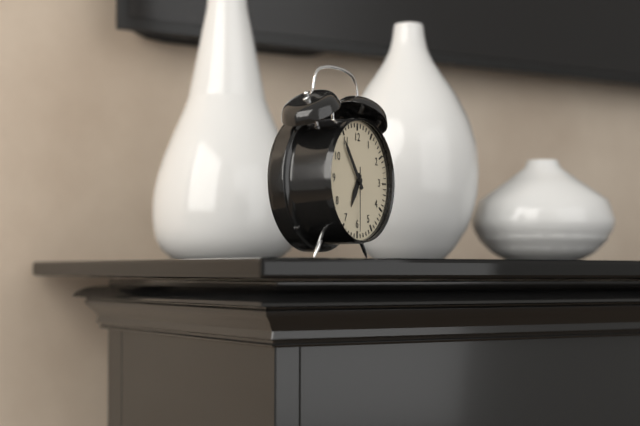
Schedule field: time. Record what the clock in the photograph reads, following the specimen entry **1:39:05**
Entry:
**6:54:30**
